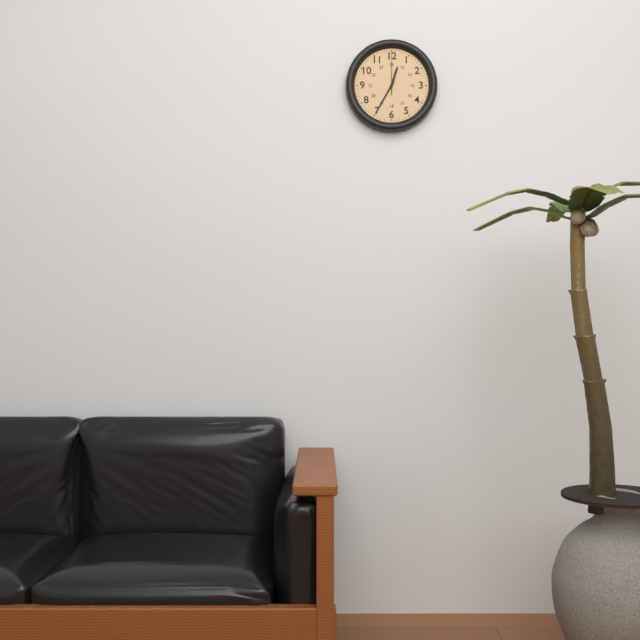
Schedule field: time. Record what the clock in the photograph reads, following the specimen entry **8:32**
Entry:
**12:35**
